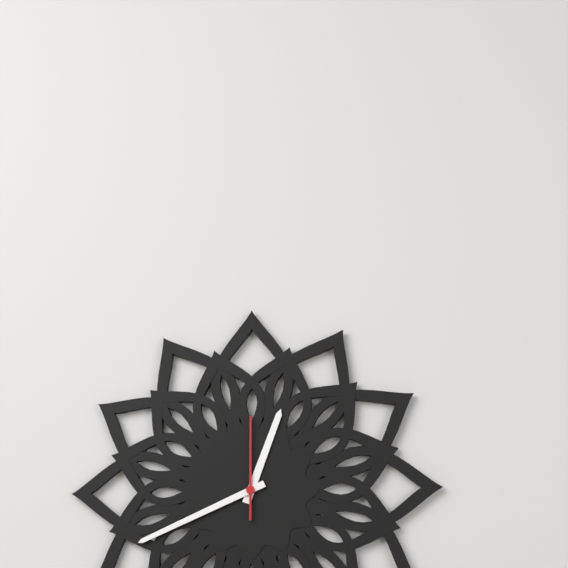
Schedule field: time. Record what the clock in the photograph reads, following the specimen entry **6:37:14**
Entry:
**12:41:00**
